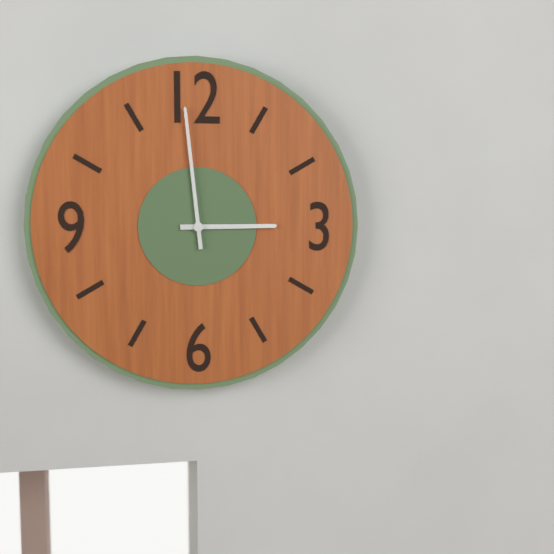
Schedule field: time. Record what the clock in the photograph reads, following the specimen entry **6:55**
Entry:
**2:59**
